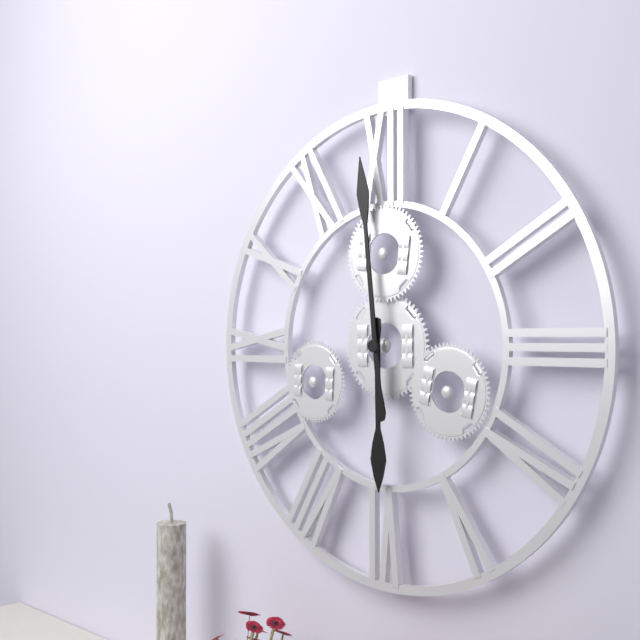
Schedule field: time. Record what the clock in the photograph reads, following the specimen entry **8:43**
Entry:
**5:59**
